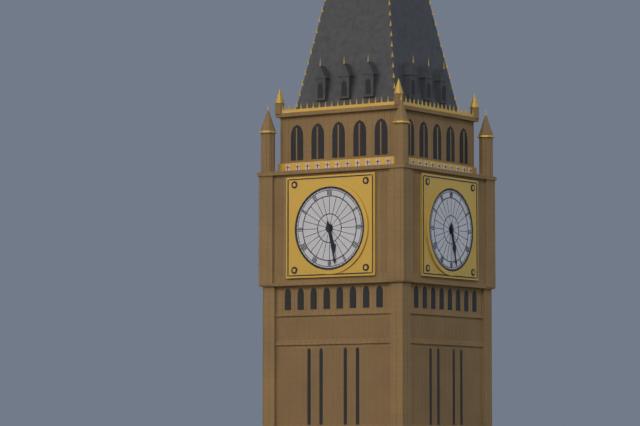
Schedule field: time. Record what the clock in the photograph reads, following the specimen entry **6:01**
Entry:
**5:28**
